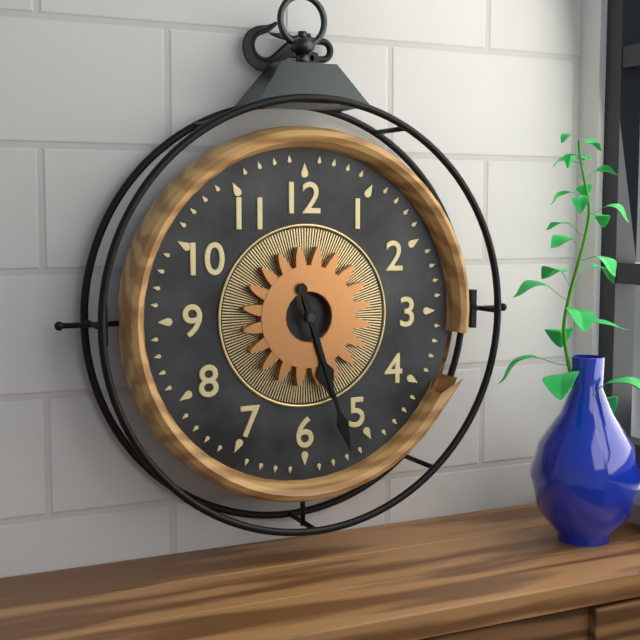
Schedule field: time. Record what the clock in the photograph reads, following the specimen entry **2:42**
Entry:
**5:27**
